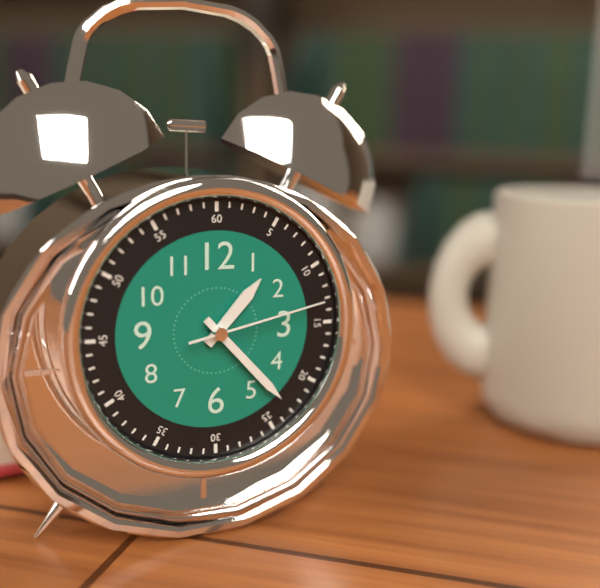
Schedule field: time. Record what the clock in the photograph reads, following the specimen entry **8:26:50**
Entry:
**1:23:13**
